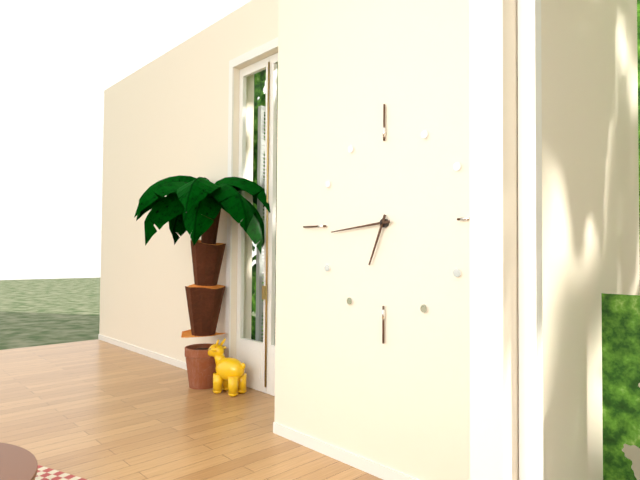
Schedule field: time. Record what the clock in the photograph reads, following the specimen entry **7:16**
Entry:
**6:44**
